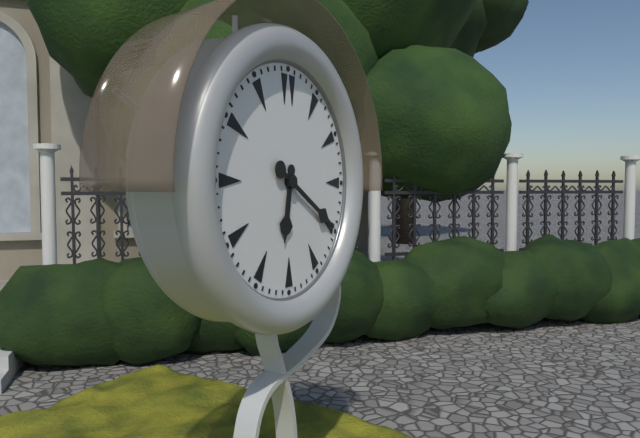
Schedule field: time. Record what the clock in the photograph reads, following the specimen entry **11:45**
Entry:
**6:20**
